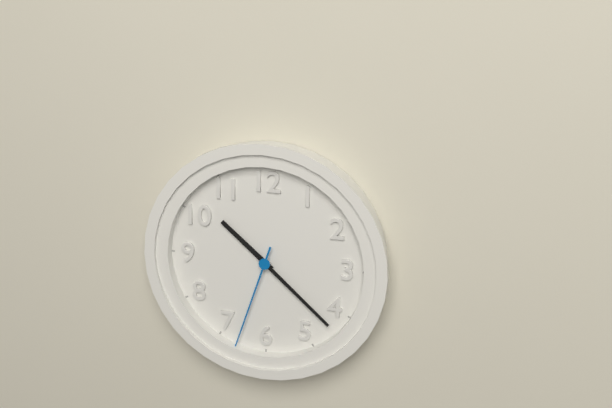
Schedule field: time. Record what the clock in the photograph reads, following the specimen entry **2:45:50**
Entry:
**10:22:33**
